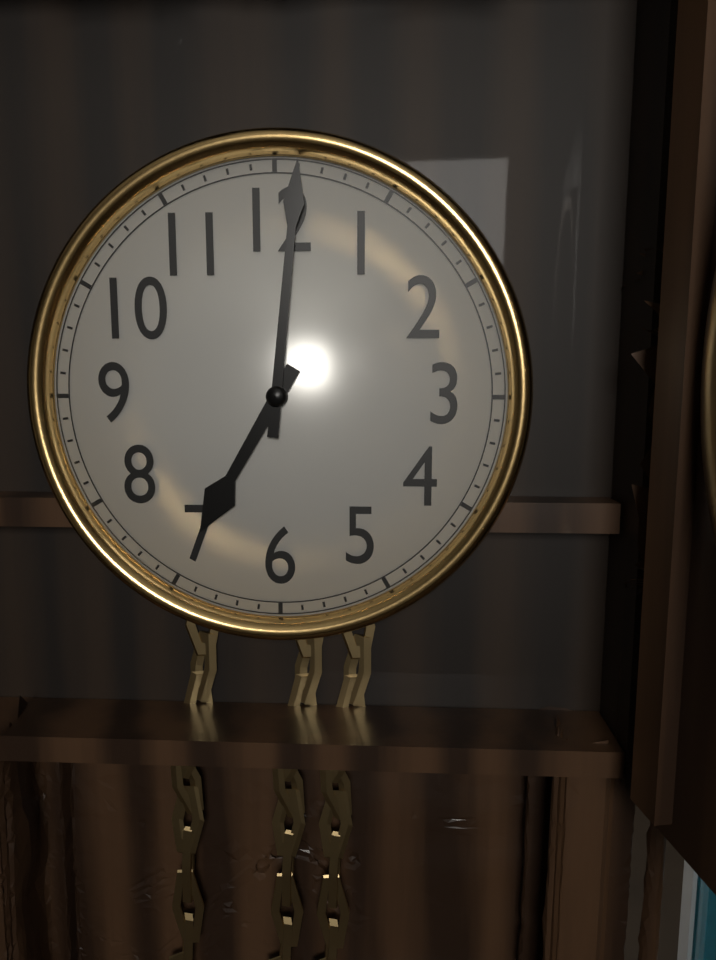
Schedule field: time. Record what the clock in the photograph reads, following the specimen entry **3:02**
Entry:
**7:01**
